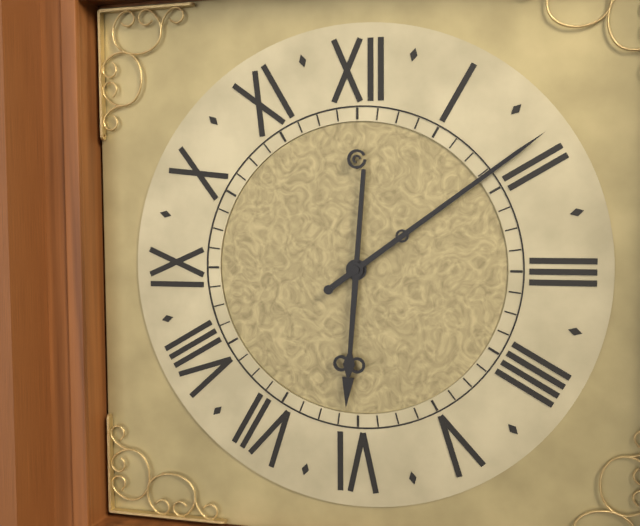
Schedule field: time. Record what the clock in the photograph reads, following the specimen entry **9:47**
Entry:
**6:09**
